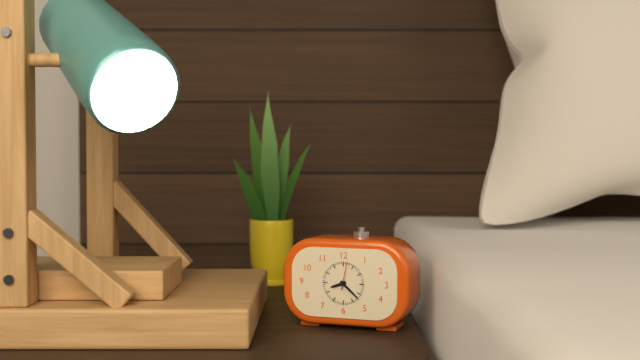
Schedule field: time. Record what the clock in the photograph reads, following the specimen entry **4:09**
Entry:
**8:22**
